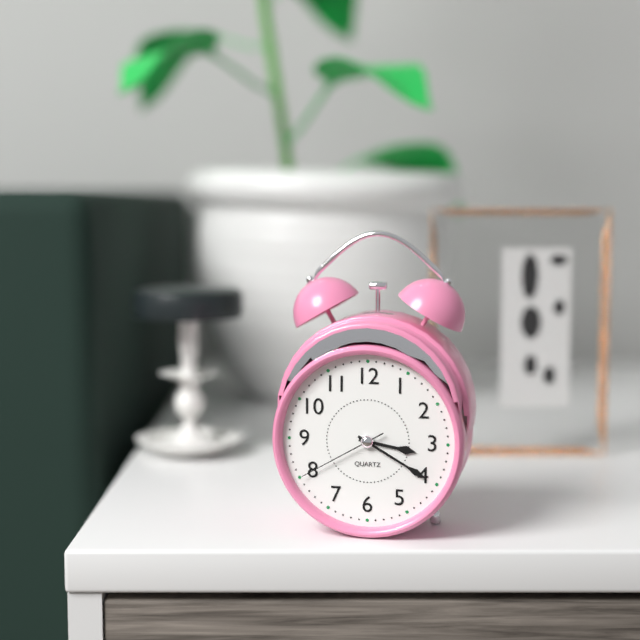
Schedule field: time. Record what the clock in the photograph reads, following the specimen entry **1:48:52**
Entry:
**3:20:40**
